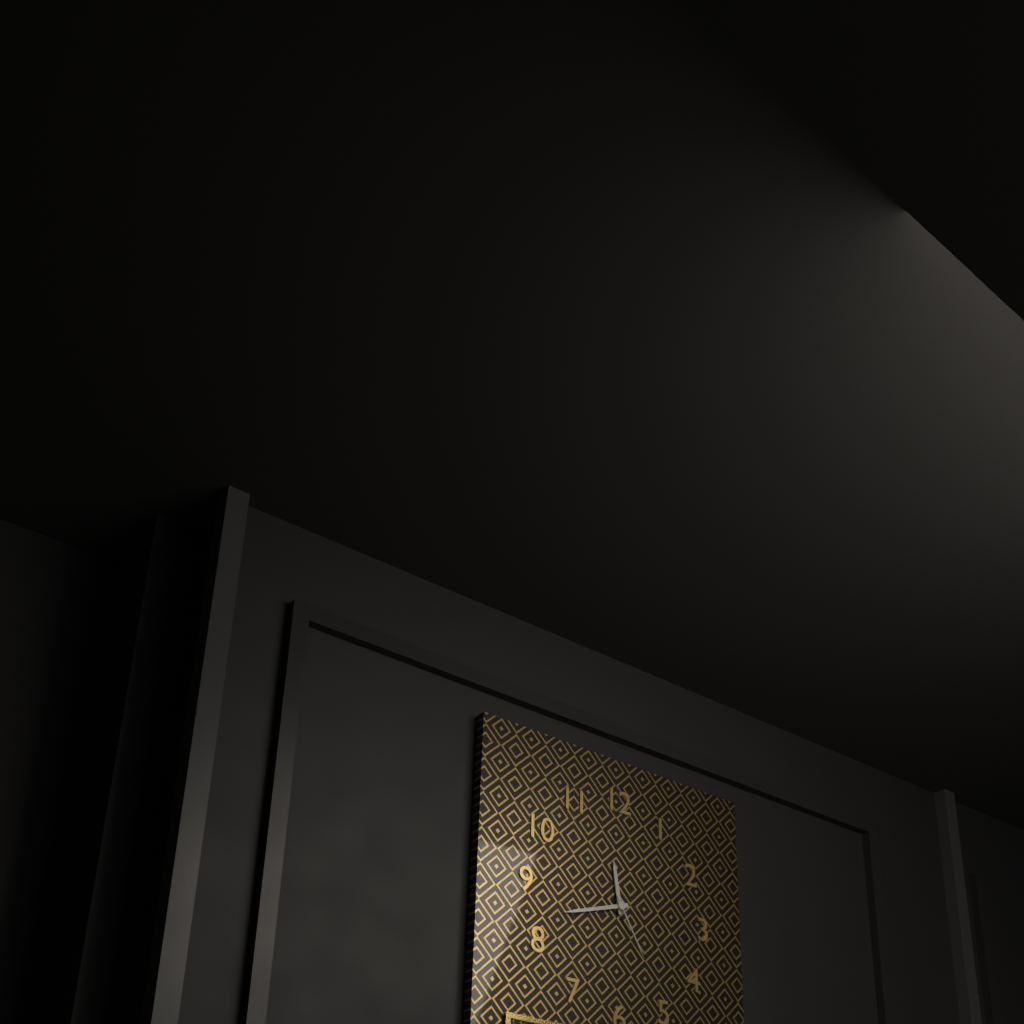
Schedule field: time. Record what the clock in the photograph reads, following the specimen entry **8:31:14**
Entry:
**11:42:25**
